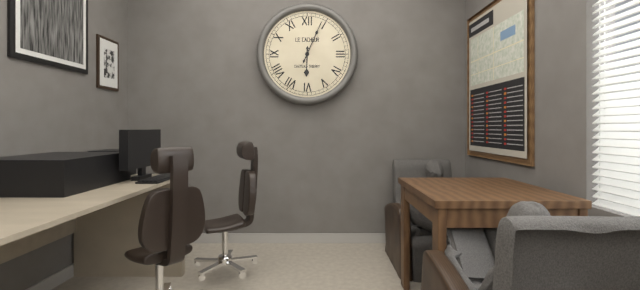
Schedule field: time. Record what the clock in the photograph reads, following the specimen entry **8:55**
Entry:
**6:04**
